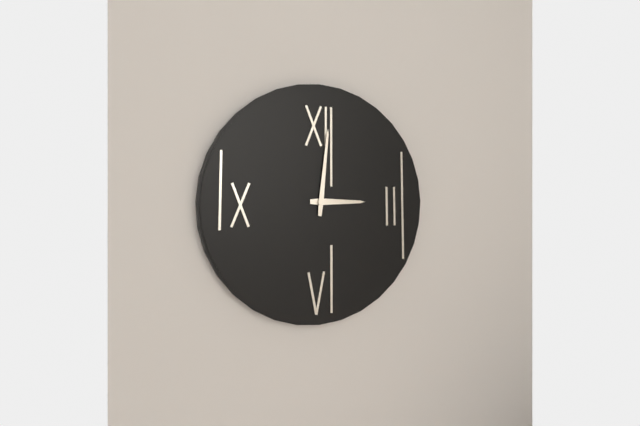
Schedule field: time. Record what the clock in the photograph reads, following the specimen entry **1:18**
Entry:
**3:01**
